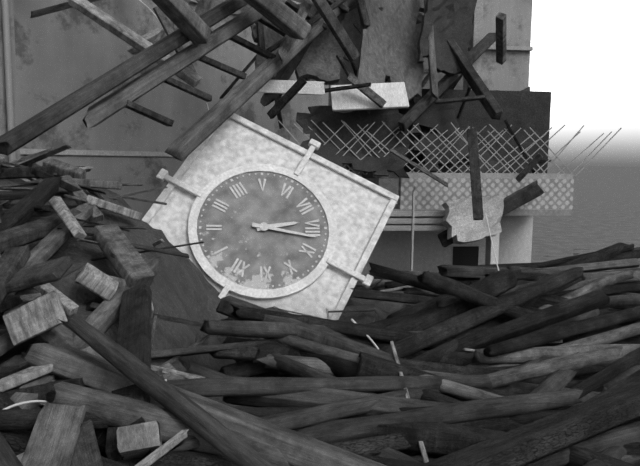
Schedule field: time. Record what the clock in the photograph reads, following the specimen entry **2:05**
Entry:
**7:42**
